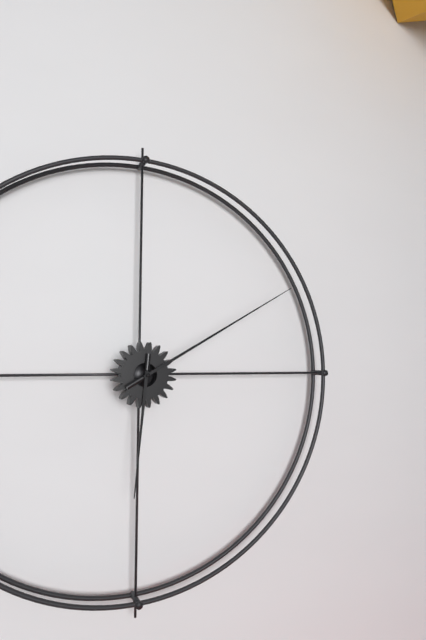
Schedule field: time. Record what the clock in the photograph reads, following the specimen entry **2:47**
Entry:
**6:10**
